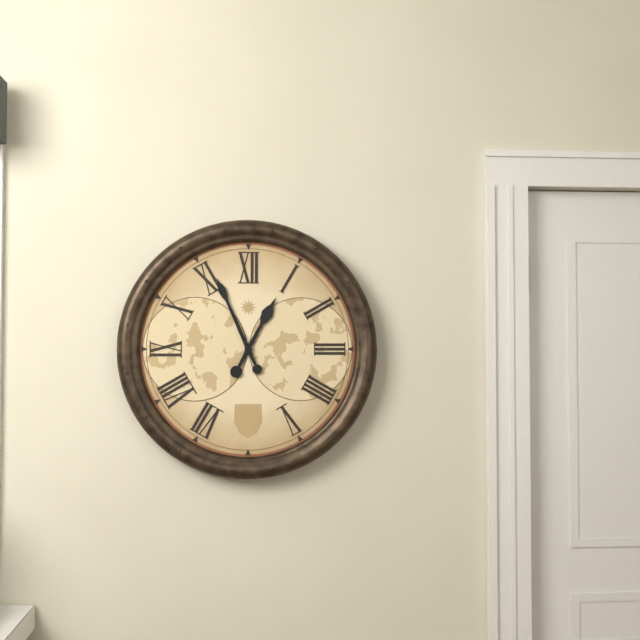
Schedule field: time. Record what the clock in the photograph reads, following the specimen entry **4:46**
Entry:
**12:56**
